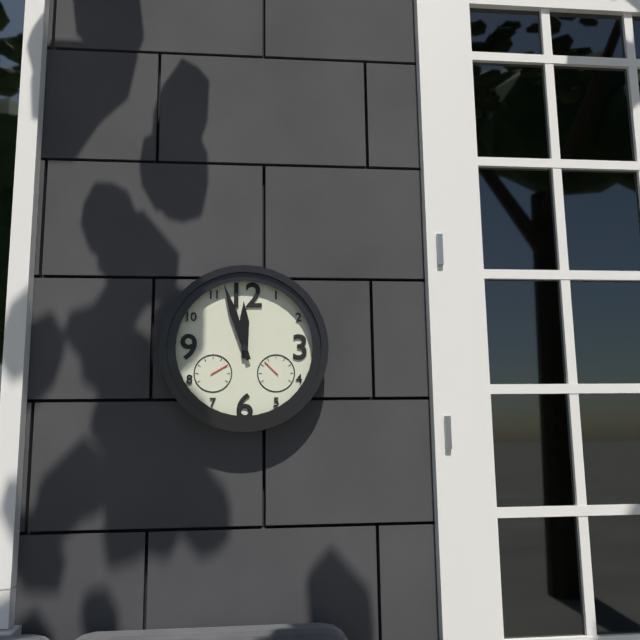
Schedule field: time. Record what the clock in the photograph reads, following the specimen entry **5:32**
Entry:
**11:57**
